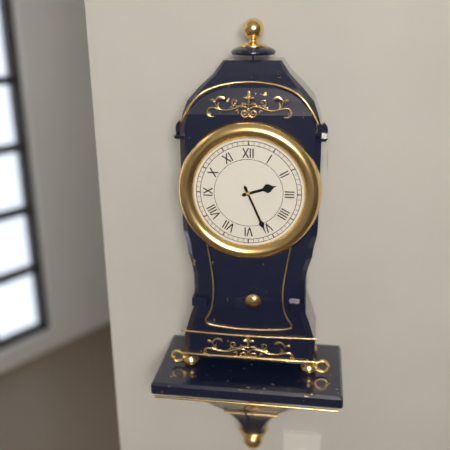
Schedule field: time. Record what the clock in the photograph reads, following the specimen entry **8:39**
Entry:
**2:26**
